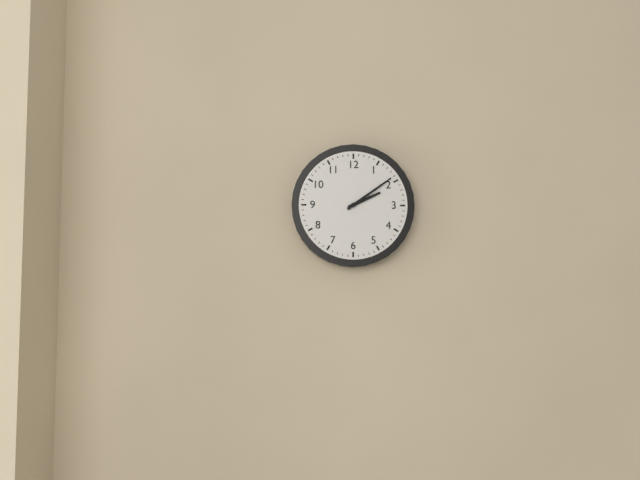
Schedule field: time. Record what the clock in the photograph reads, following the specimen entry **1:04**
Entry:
**2:09**
